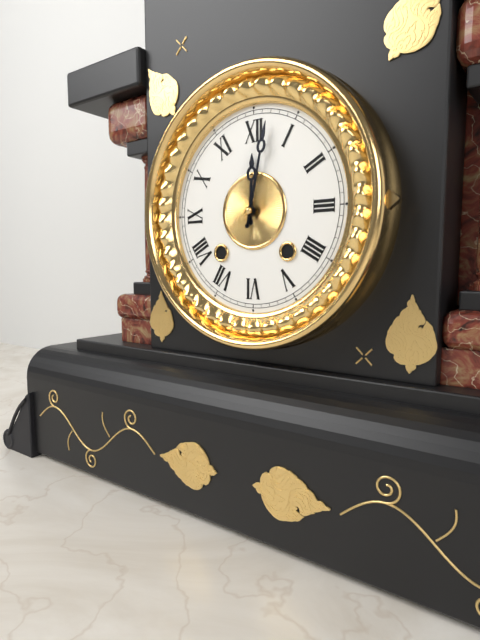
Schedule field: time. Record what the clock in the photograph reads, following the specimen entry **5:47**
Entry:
**12:02**
